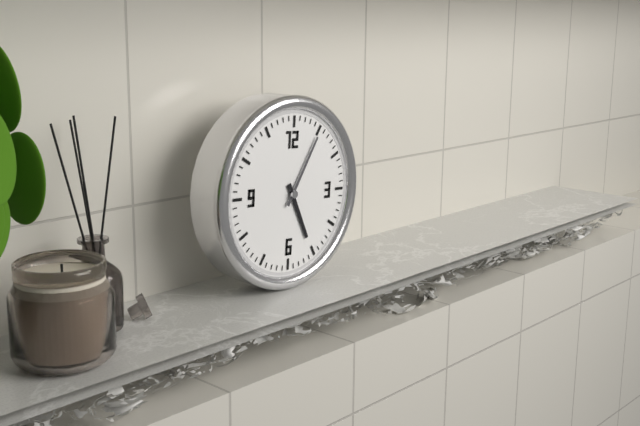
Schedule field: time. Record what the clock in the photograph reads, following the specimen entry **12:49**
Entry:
**5:05**
